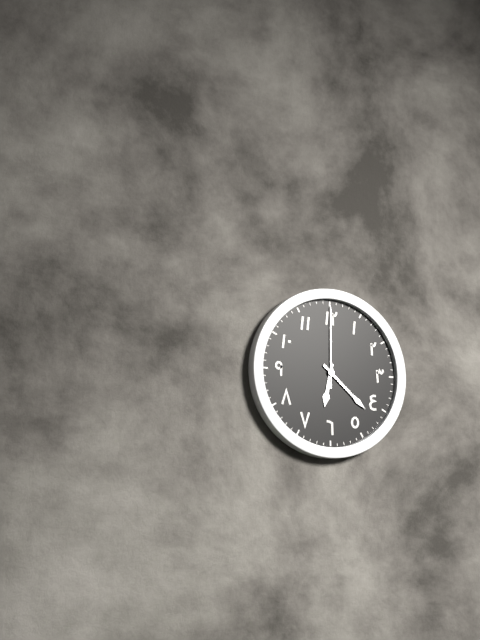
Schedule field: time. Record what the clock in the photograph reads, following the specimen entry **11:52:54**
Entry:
**6:22:00**
